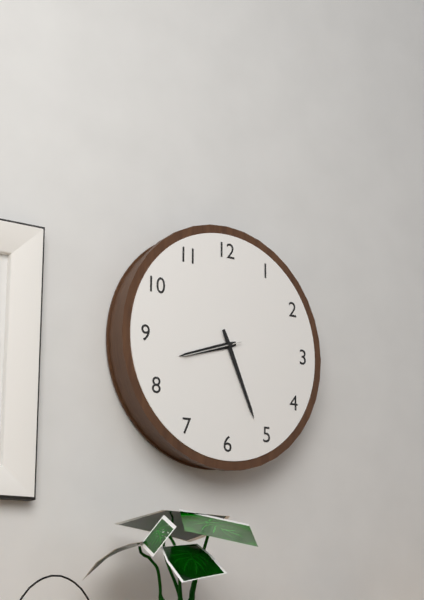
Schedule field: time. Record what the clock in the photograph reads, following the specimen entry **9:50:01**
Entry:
**8:26:42**
